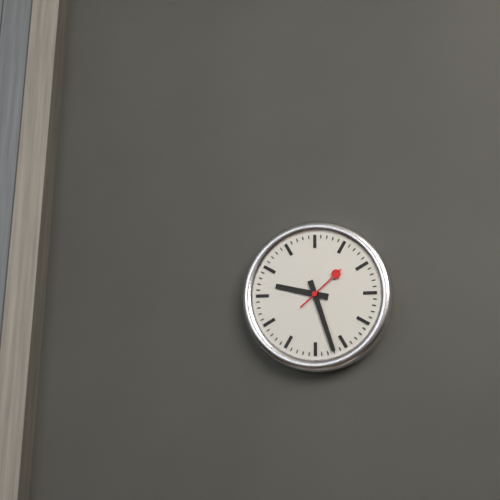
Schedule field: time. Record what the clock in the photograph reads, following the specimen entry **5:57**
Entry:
**9:27**
